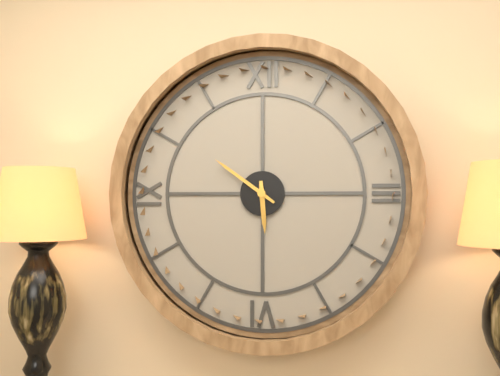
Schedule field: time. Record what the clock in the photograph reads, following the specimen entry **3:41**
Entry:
**5:51**
